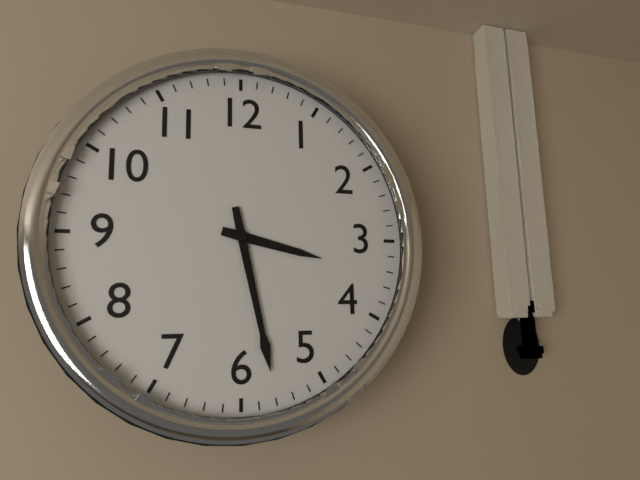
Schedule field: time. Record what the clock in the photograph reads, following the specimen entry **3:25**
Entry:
**3:28**
